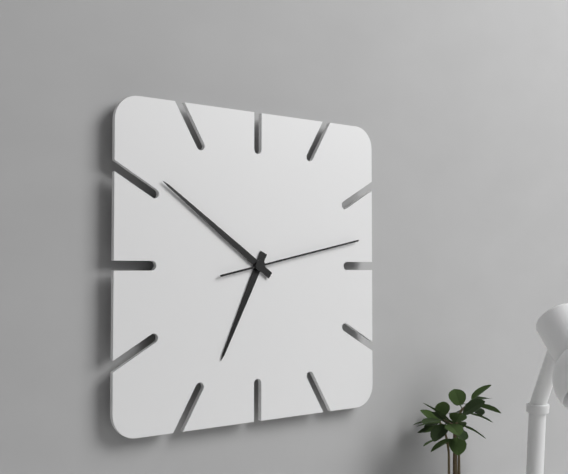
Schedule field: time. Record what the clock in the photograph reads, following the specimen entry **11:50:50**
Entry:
**6:51:13**
